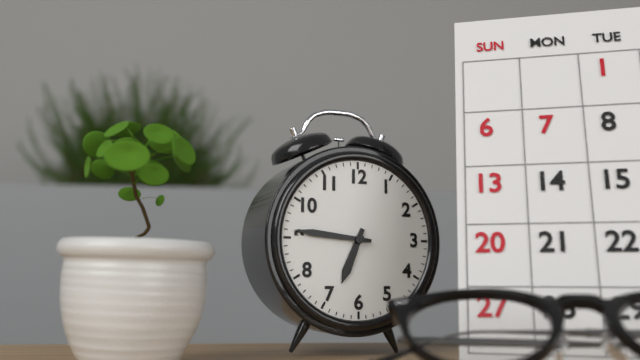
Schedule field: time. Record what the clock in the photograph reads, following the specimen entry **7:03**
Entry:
**6:46**
